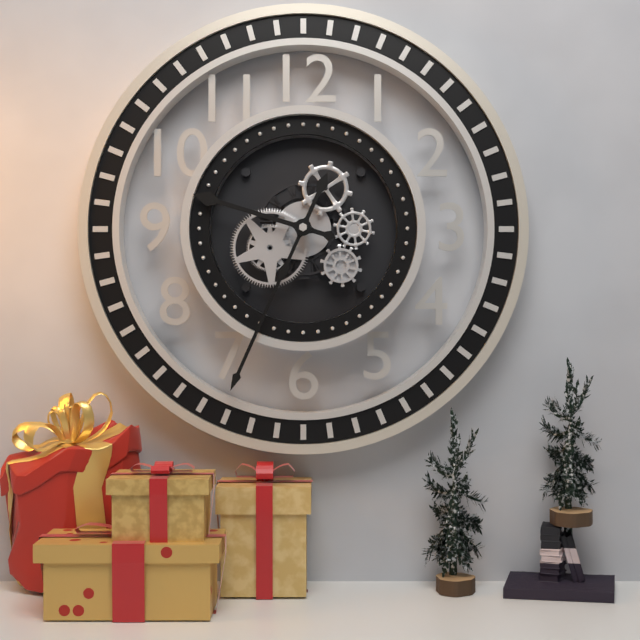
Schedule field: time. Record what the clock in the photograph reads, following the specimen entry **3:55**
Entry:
**9:34**
